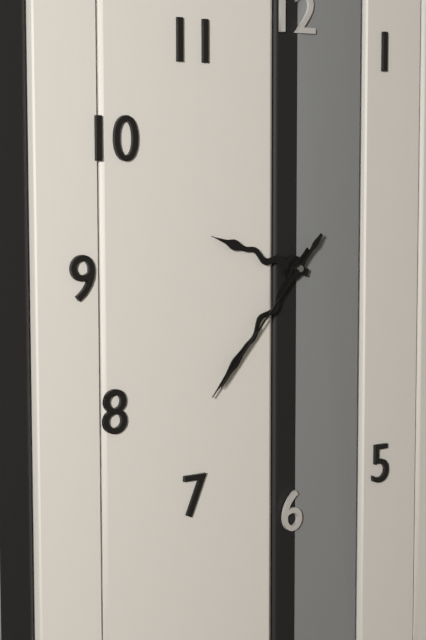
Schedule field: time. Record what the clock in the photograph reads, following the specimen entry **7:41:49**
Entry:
**9:37:37**
